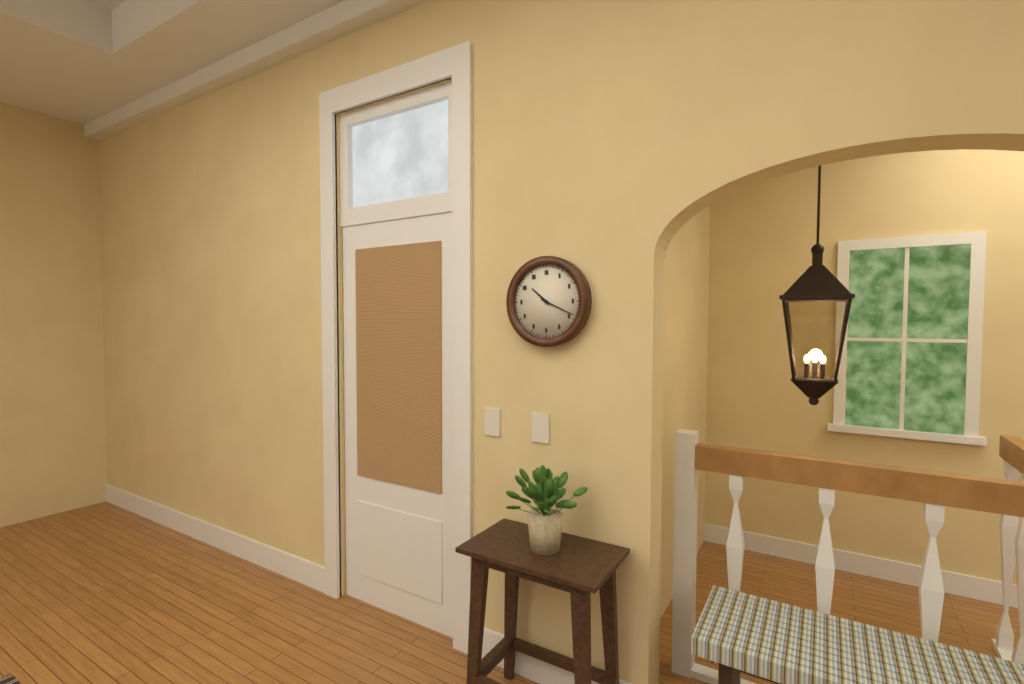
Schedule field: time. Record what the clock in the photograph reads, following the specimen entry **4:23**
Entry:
**10:19**
